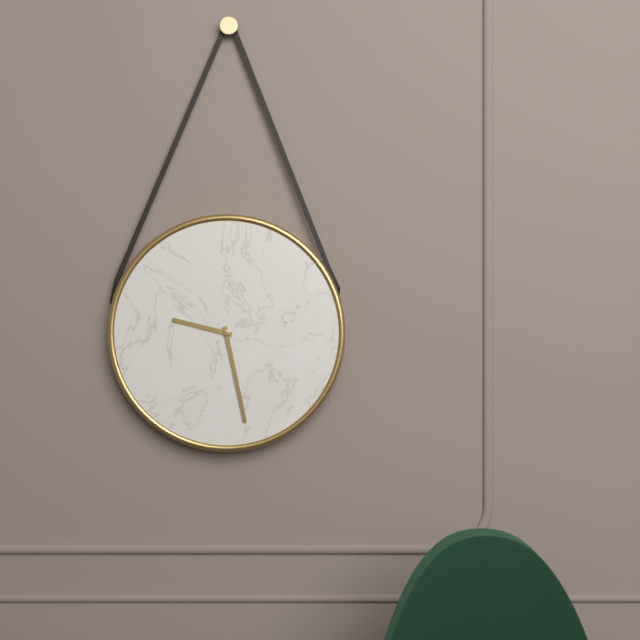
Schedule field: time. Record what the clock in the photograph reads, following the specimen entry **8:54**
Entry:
**9:28**
